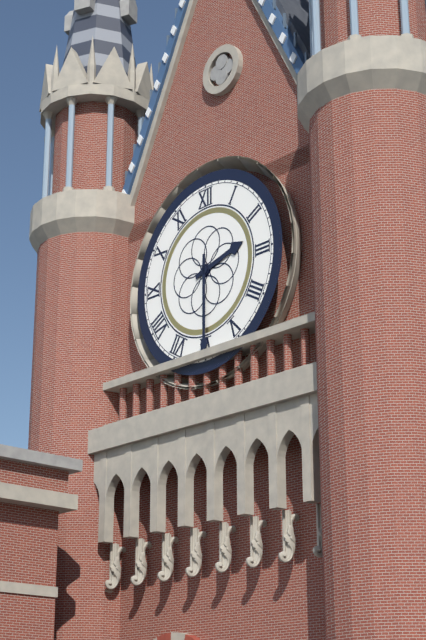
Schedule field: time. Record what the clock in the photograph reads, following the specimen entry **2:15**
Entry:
**2:30**
